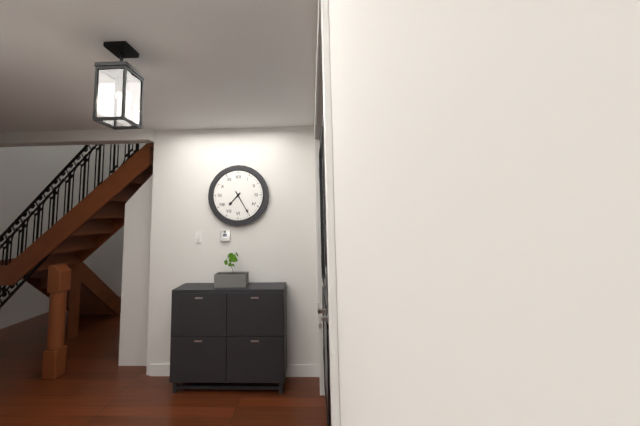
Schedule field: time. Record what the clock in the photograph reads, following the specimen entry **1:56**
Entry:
**7:25**
